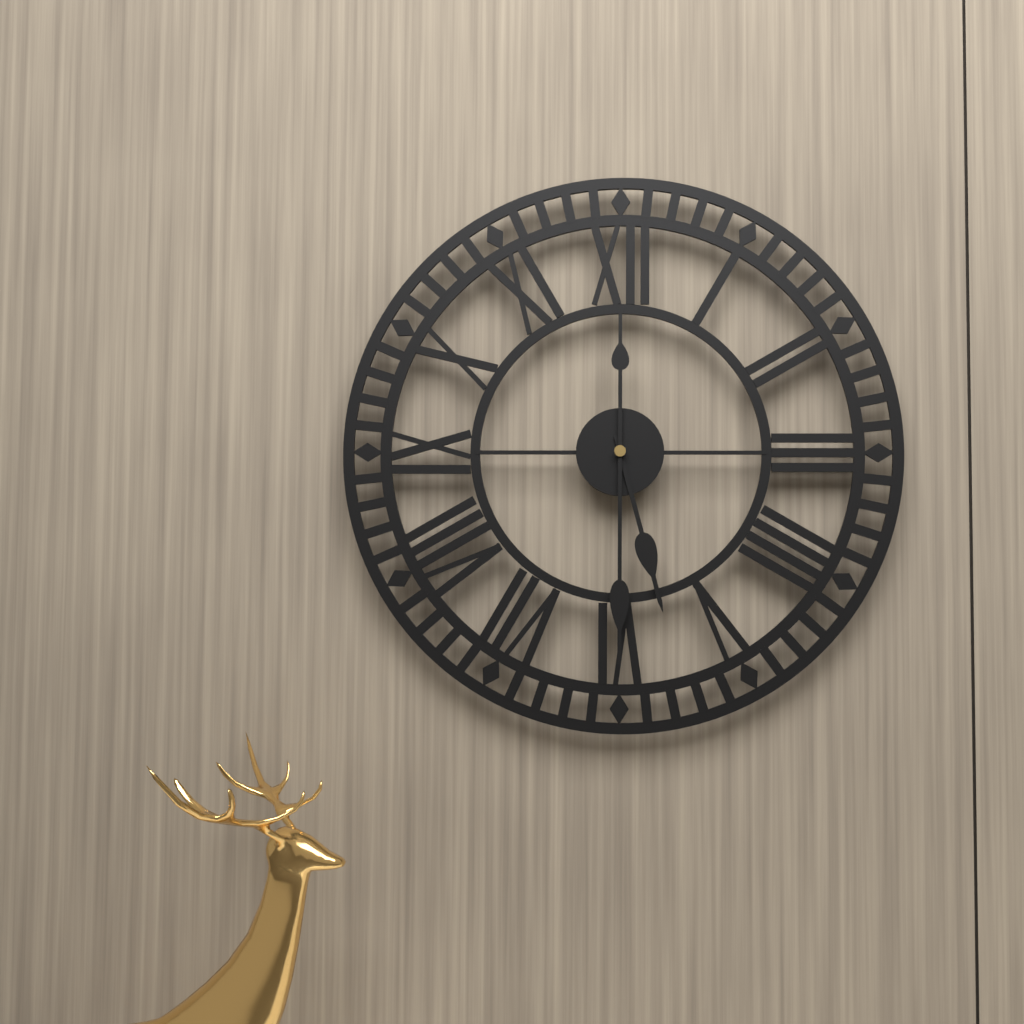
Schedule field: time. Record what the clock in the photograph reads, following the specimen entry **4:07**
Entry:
**5:30**
